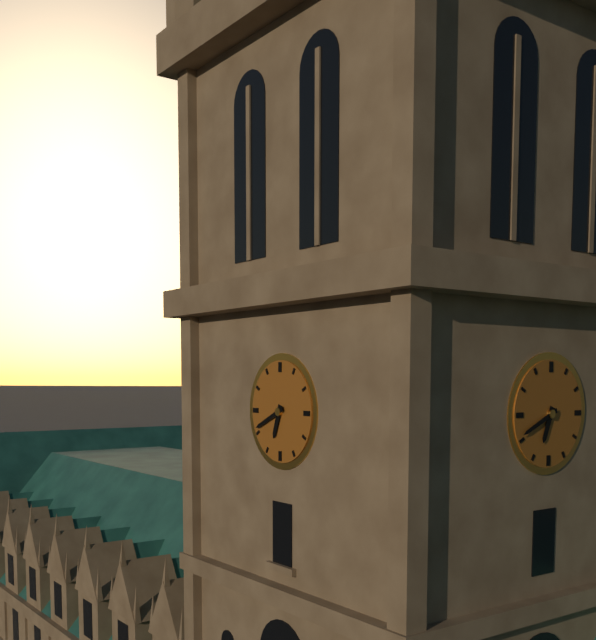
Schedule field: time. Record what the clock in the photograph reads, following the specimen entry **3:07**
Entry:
**6:41**
